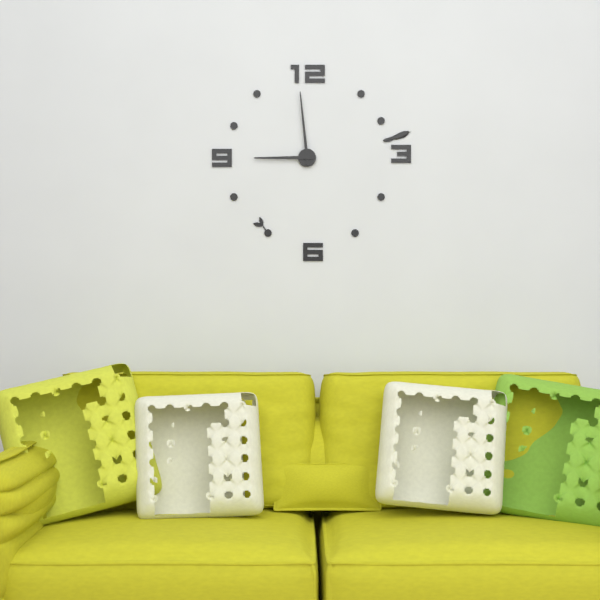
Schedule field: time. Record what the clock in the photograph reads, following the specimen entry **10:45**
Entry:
**8:59**
